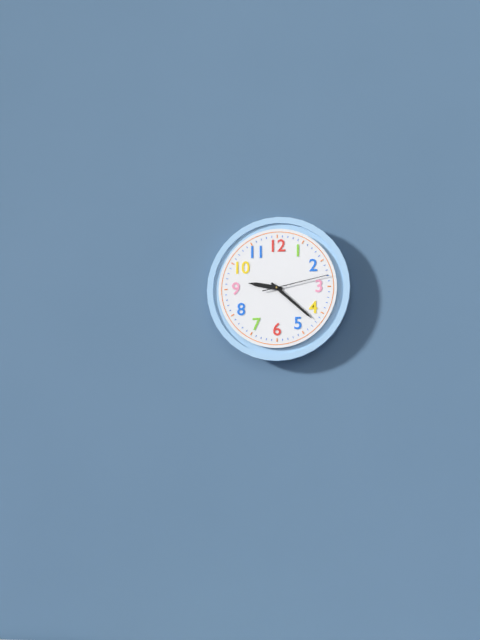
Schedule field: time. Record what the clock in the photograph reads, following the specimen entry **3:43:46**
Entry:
**9:22:13**
